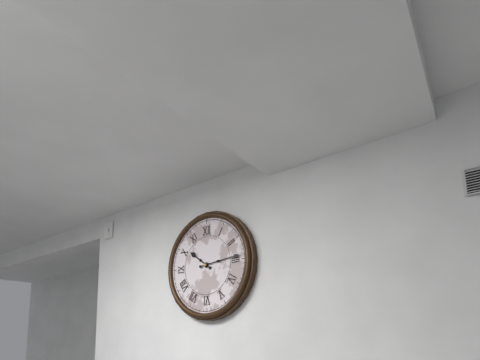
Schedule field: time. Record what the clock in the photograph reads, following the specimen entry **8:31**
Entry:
**10:14**
